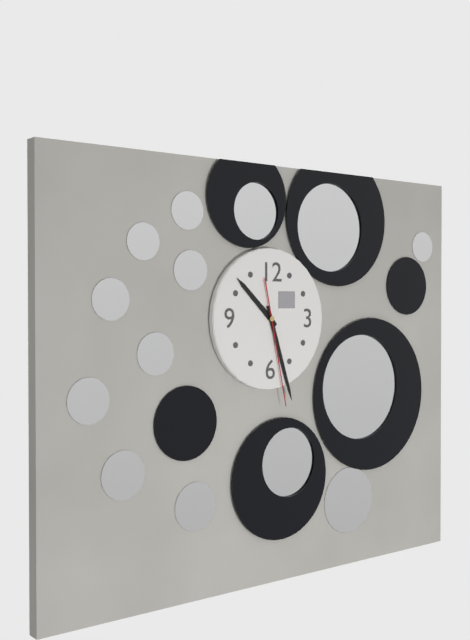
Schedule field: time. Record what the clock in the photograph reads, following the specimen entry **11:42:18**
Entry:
**10:27:28**
